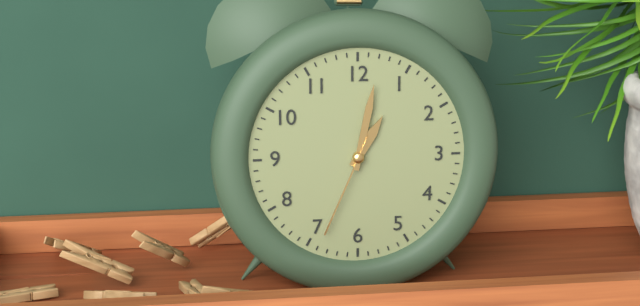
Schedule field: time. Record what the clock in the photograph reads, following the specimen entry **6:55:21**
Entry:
**1:02:34**
